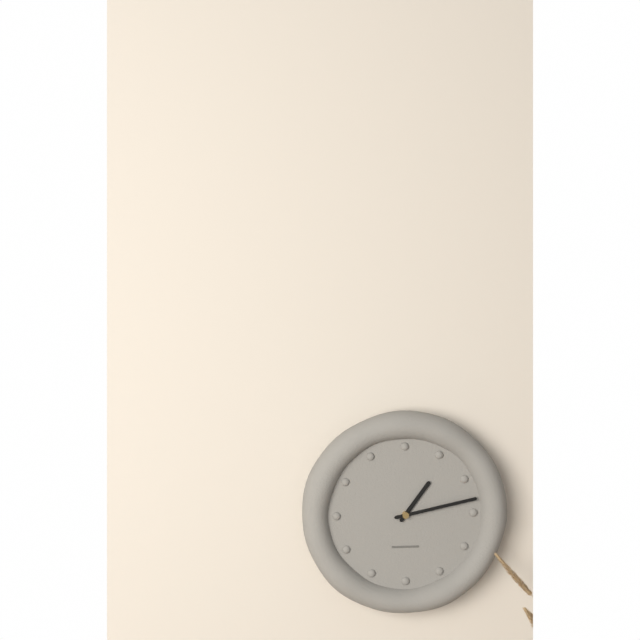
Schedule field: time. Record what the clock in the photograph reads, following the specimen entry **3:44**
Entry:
**1:13**
